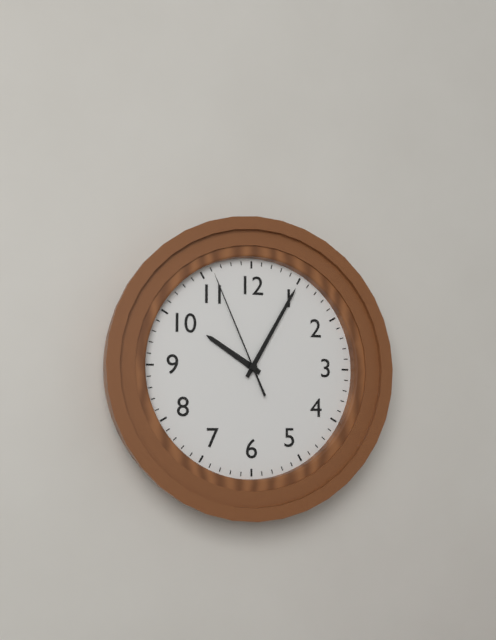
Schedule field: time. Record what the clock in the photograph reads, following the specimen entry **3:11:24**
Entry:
**10:05:56**
